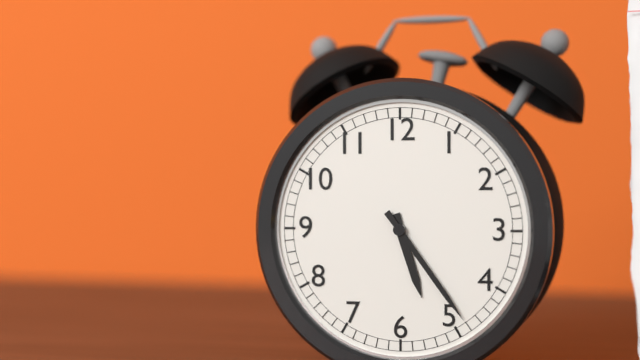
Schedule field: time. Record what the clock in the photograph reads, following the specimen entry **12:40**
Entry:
**5:24**
